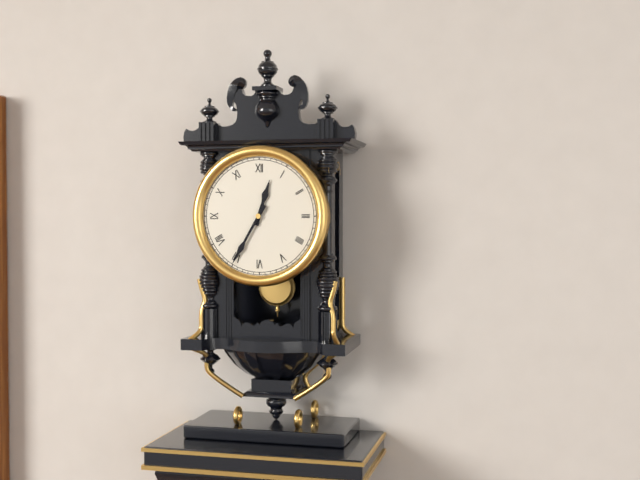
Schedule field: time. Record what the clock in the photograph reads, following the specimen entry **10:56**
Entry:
**12:35**
